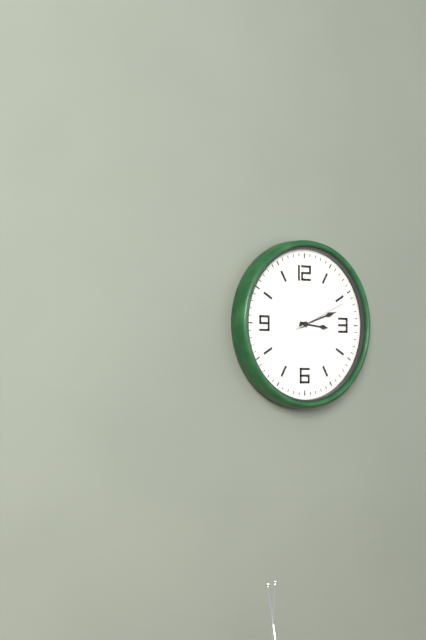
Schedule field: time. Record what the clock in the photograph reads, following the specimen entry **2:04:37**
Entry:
**3:12:11**
